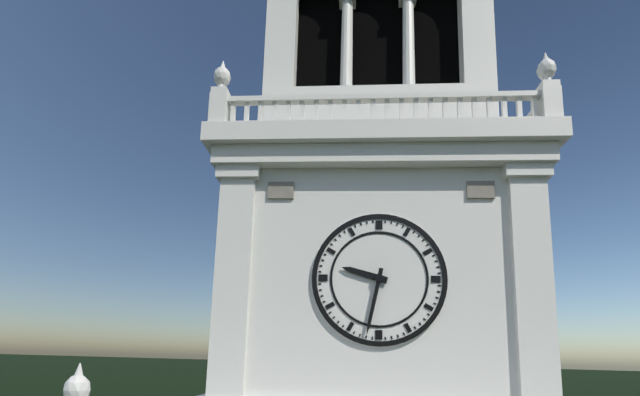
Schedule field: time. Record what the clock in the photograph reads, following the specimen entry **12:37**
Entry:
**9:32**
